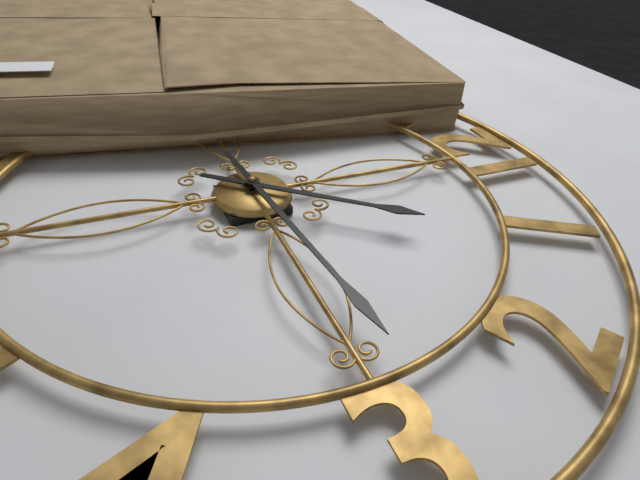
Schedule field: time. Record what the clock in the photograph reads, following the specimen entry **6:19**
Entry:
**1:14**
